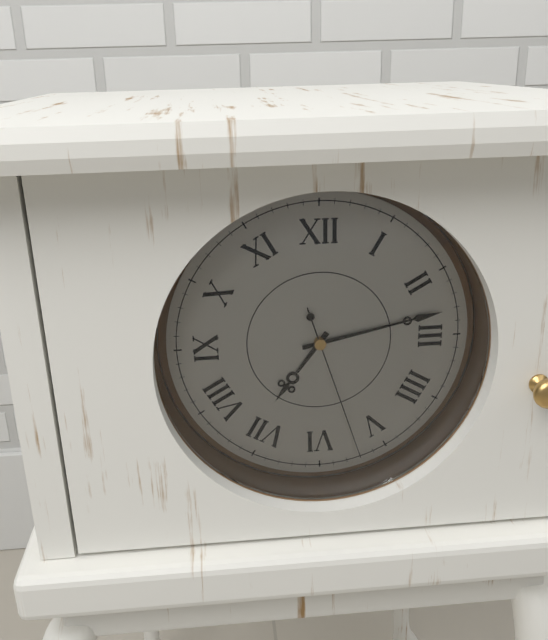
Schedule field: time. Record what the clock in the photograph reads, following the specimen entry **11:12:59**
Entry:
**7:13:27**
